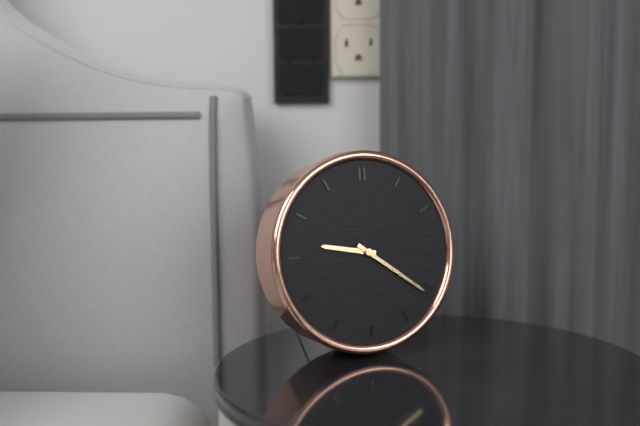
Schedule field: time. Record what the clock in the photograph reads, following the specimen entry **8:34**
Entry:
**9:21**
